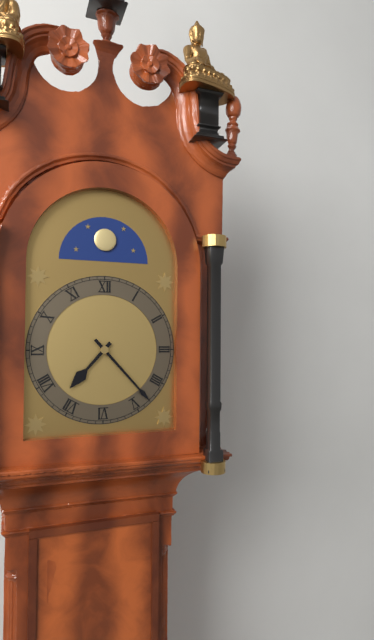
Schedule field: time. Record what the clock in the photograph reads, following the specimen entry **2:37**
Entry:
**7:23**
